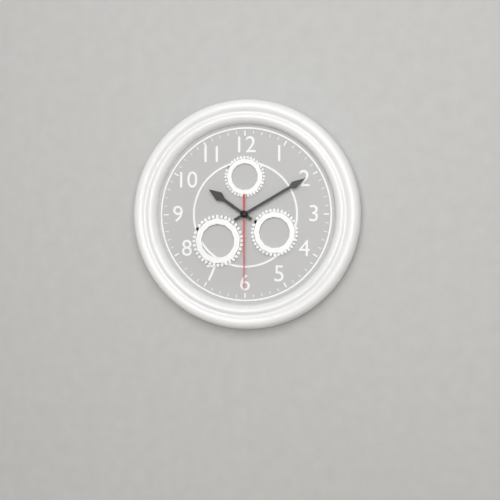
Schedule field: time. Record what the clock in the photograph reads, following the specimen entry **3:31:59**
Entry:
**10:10:30**
